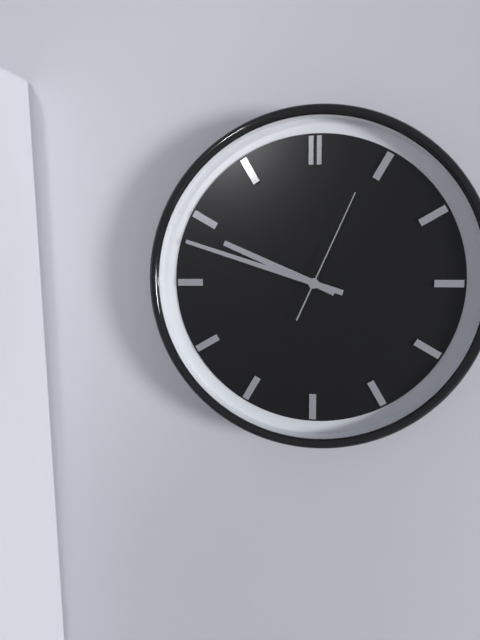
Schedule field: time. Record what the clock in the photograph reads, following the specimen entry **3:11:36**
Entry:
**9:48:04**
